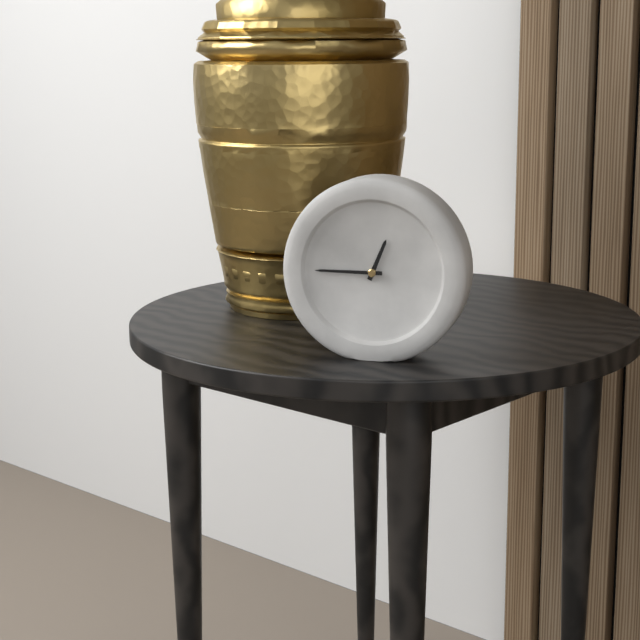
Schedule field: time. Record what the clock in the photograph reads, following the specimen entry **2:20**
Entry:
**12:45**
